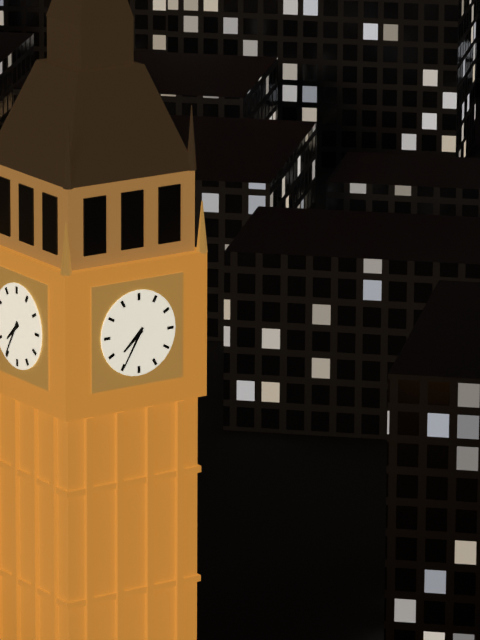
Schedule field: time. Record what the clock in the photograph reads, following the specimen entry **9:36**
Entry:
**7:35**
